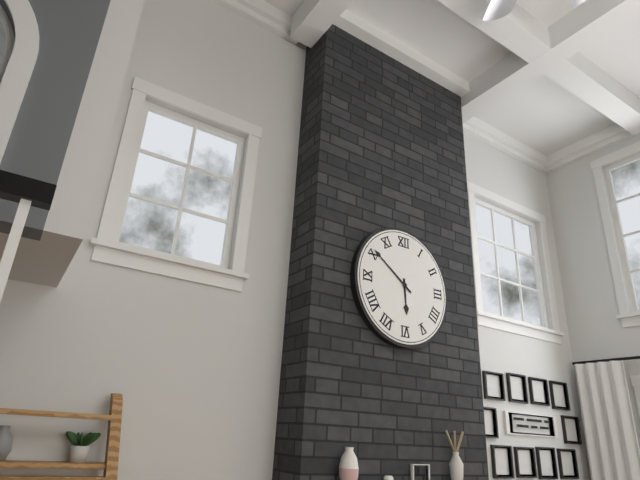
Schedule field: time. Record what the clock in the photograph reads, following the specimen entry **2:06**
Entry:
**5:51**
